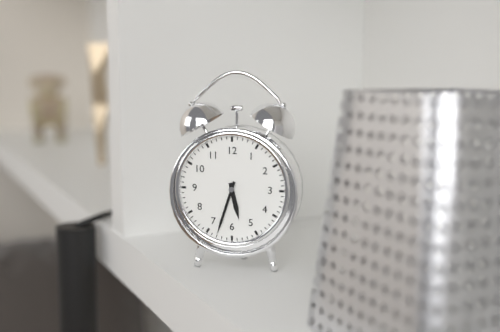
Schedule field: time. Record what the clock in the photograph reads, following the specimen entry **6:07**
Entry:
**5:33**
